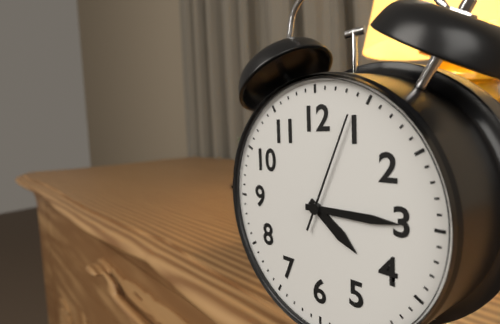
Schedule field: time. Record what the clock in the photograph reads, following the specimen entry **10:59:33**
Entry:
**4:15:04**
